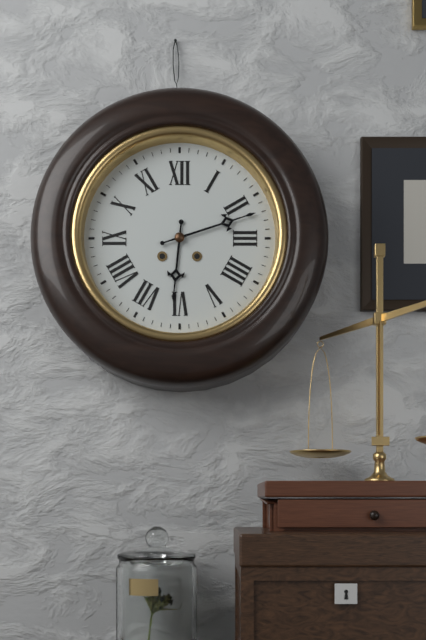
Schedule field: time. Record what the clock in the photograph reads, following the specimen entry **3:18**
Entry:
**6:12**
